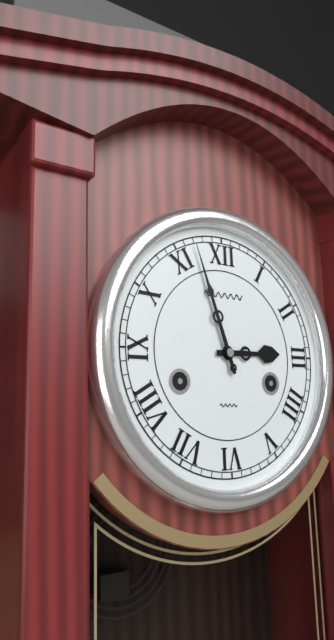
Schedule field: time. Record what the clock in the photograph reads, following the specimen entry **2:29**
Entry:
**2:57**
